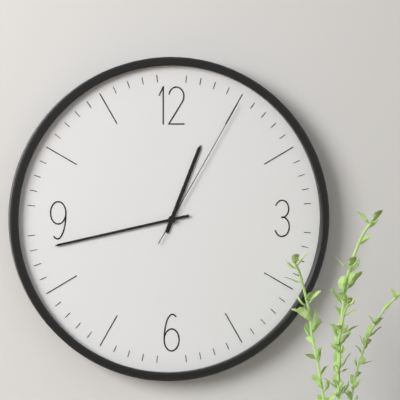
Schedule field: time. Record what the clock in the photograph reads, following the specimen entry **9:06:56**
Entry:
**12:43:05**
